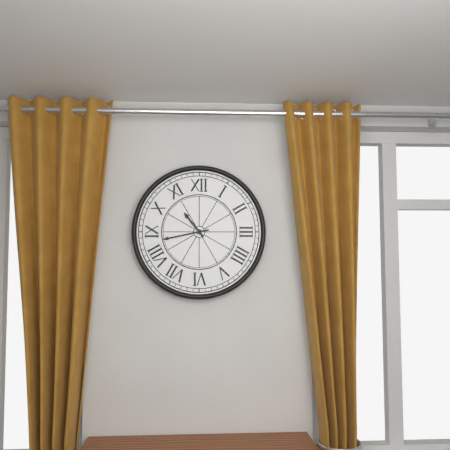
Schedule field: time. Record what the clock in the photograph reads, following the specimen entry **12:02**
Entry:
**10:43**
